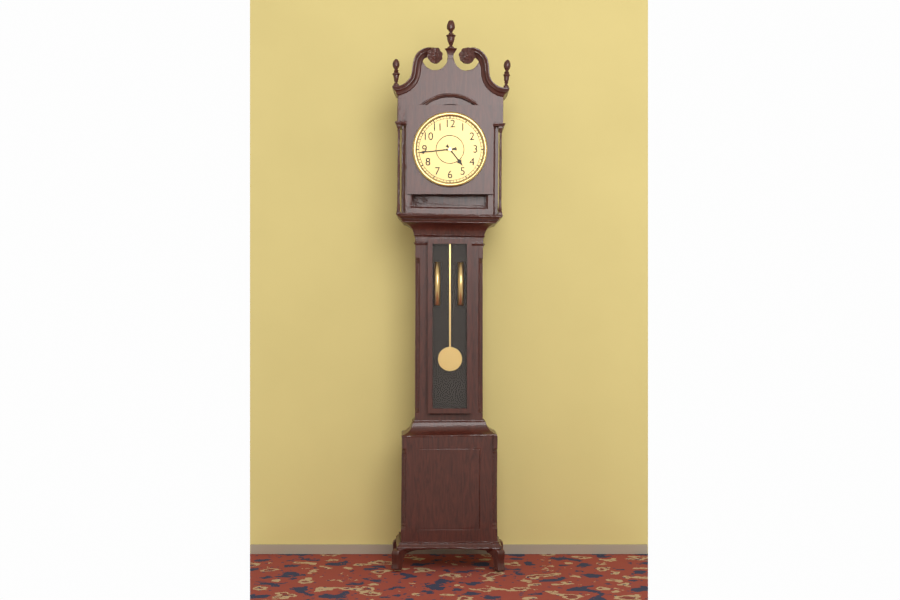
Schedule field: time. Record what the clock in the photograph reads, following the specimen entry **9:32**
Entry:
**4:44**
